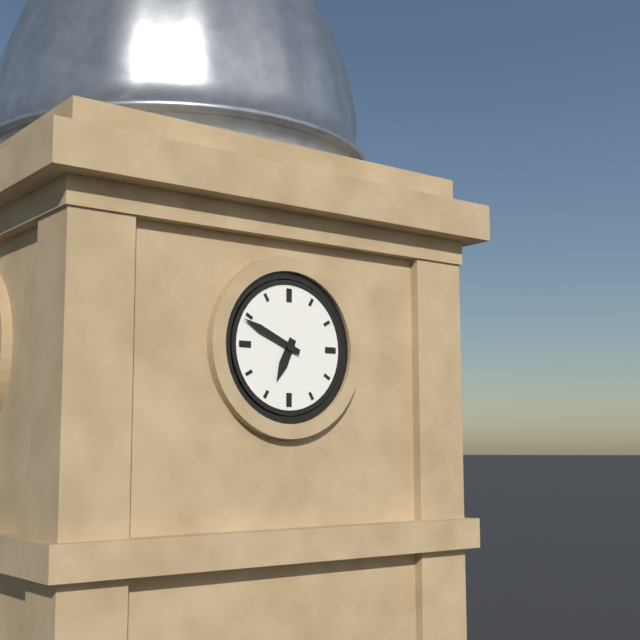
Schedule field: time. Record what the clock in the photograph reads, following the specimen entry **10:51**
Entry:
**6:49**
